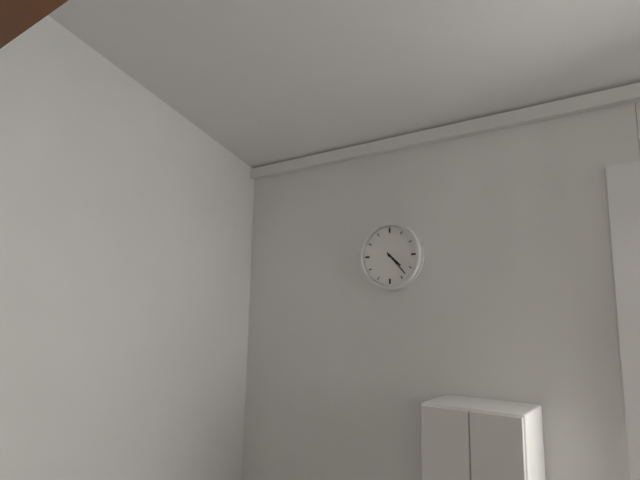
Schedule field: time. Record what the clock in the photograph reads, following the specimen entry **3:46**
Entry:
**4:23**
